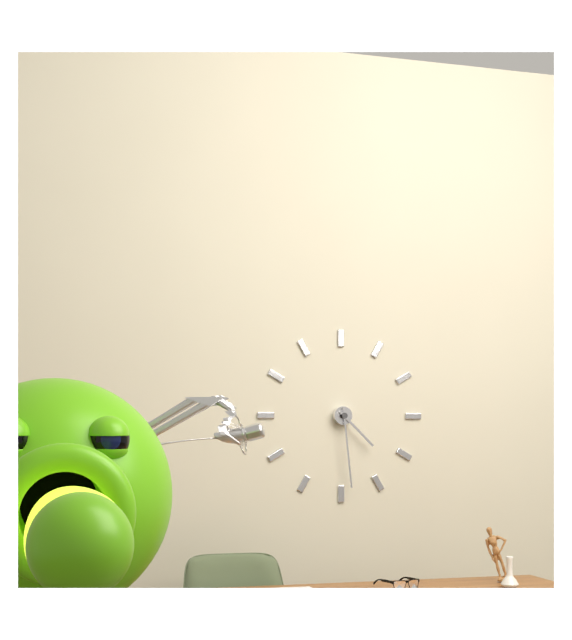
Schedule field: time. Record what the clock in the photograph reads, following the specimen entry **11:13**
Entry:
**4:29**
